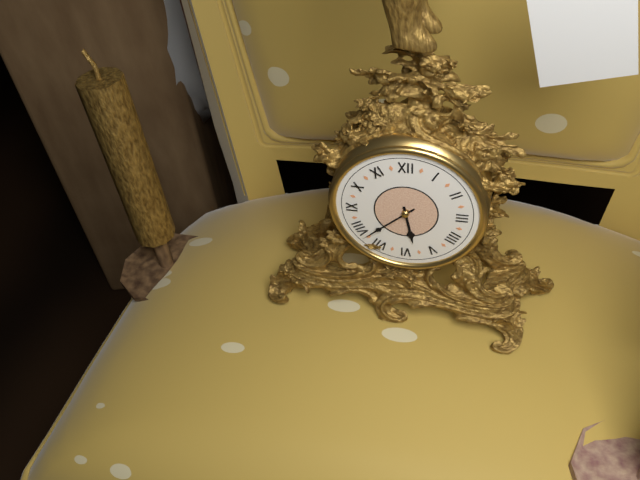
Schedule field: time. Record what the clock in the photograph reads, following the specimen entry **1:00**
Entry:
**5:38**
